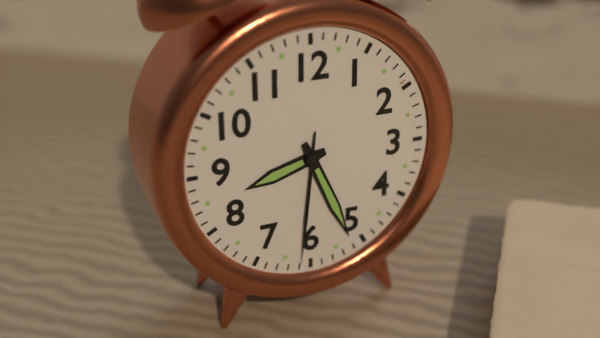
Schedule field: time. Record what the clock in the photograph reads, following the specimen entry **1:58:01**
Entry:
**8:26:31**
